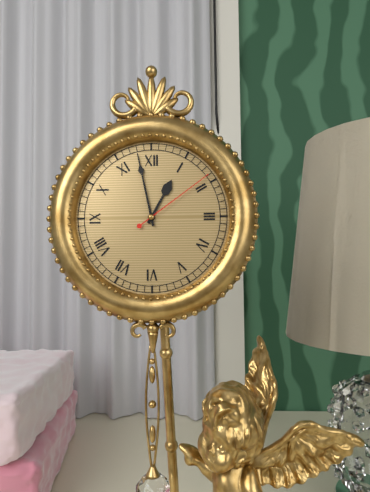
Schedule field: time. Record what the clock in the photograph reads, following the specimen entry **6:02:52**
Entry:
**12:58:09**
